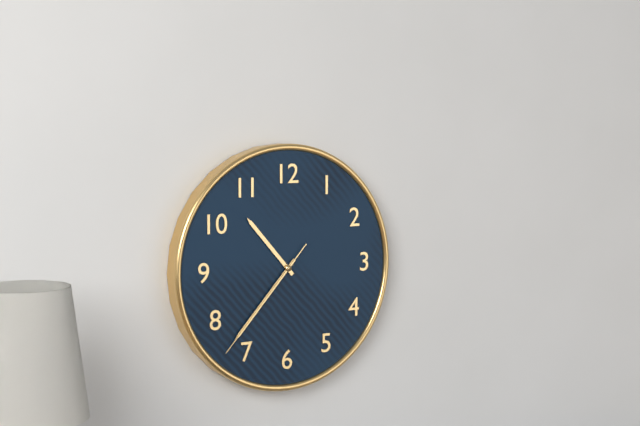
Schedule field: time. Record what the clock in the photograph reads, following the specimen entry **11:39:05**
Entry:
**10:37:37**
